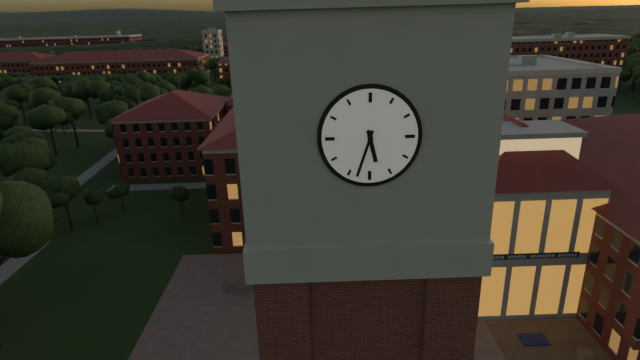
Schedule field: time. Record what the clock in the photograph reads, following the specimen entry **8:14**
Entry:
**5:33**
